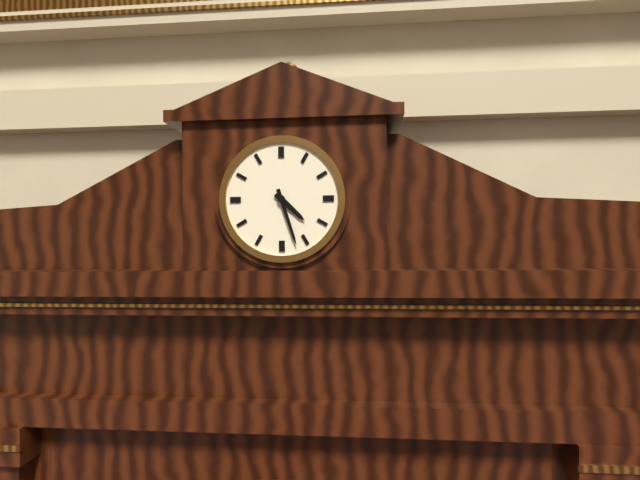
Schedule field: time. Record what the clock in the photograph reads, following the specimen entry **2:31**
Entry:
**4:27**
